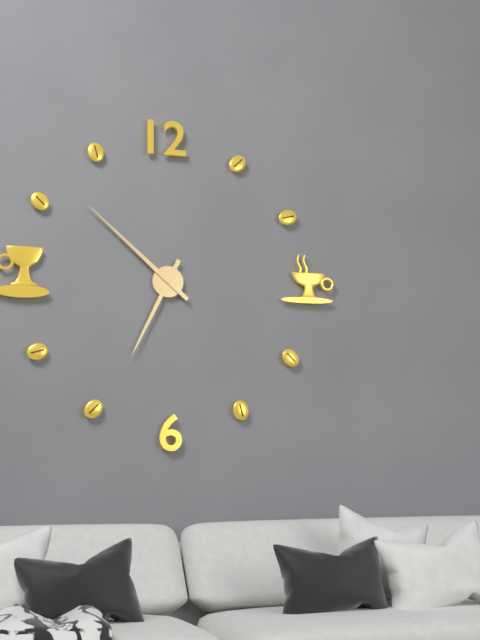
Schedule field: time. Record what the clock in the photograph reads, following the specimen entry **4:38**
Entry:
**6:52**
